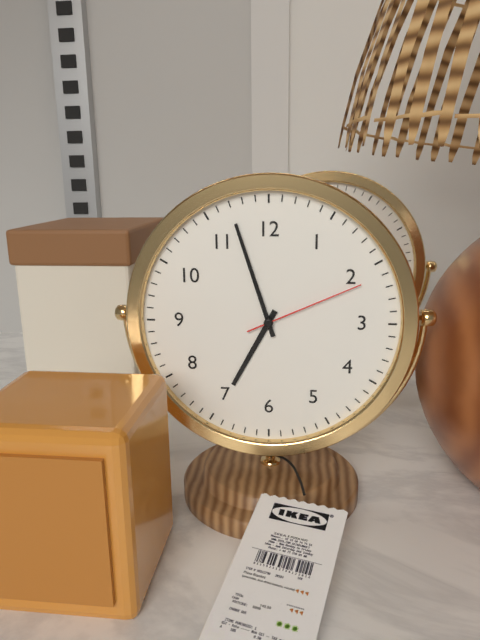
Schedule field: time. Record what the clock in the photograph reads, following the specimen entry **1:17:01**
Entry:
**6:57:11**
